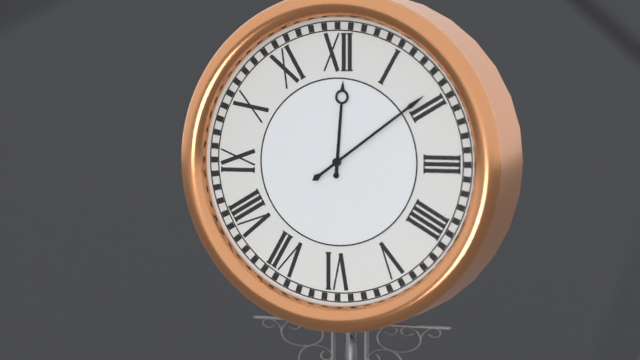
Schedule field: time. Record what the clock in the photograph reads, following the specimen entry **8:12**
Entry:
**12:09**
